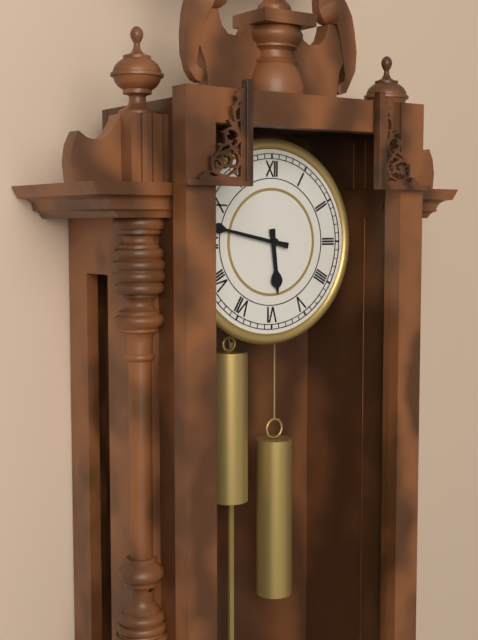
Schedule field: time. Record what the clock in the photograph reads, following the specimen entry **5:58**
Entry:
**5:47**
